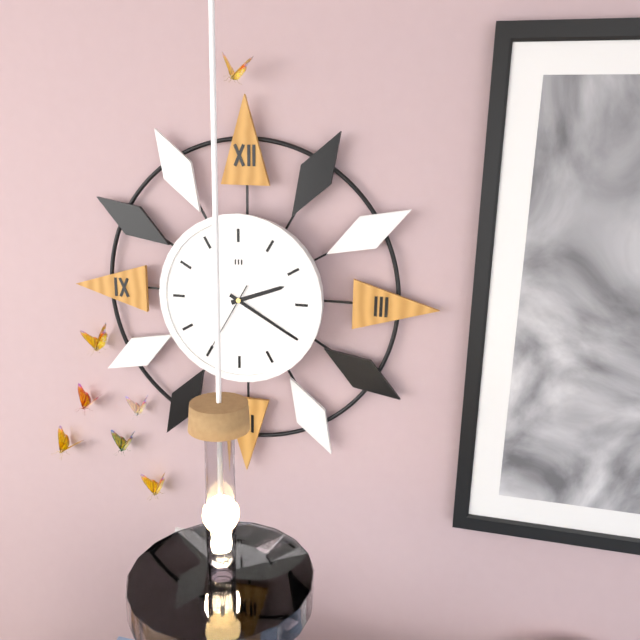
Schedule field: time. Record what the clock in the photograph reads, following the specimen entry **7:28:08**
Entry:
**2:20:35**
